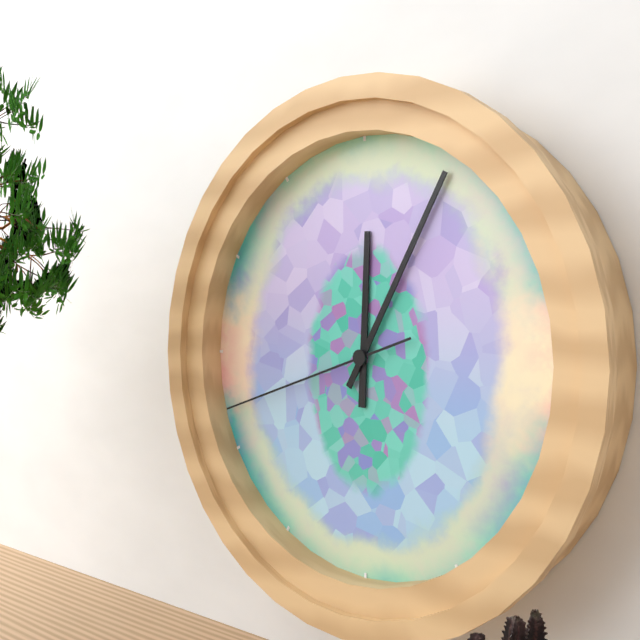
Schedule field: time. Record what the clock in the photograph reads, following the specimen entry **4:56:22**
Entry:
**12:05:42**
